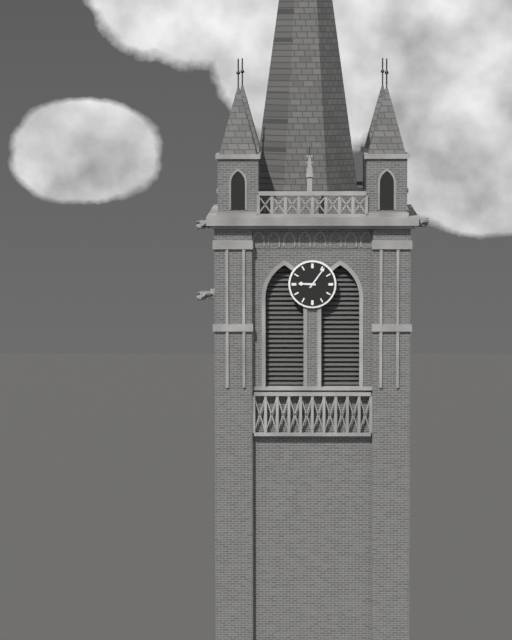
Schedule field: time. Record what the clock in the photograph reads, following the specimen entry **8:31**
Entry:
**9:06**
